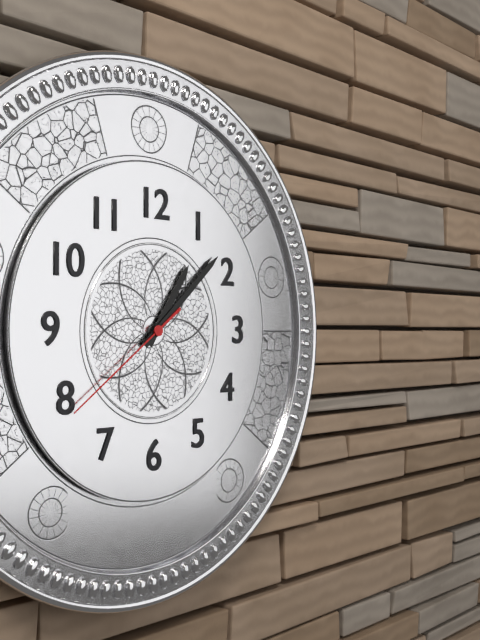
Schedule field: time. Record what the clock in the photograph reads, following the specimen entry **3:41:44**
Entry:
**1:08:39**
